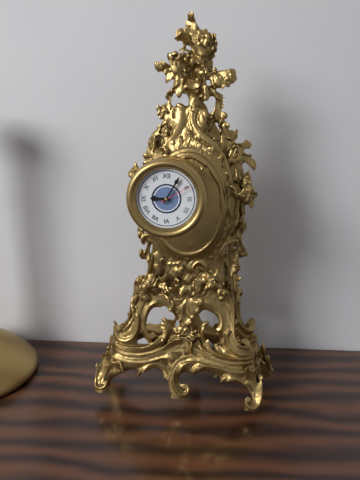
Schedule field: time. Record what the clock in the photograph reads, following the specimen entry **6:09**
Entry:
**9:05**
